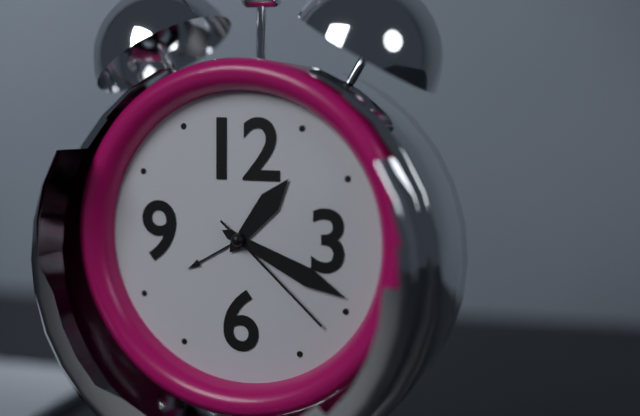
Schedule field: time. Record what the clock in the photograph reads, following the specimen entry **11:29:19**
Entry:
**1:19:22**
